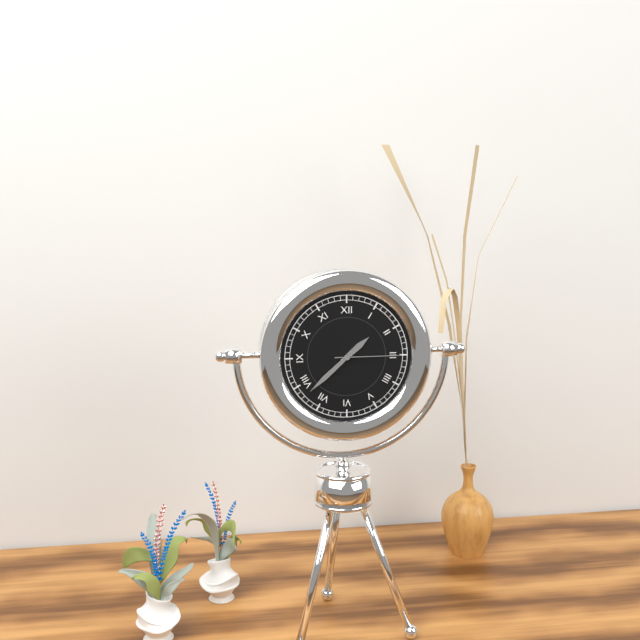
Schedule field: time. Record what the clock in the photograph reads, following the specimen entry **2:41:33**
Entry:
**1:38:15**
